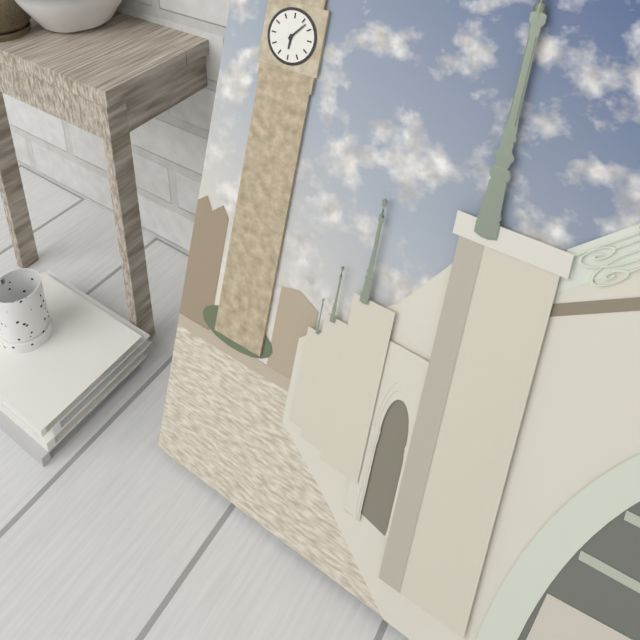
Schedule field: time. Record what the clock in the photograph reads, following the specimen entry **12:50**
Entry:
**6:07**
